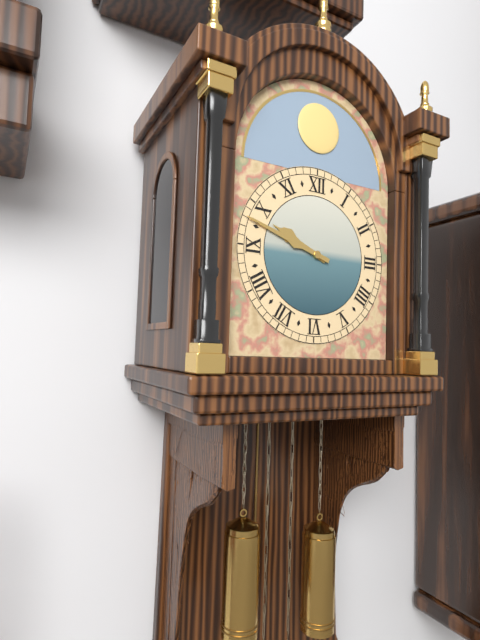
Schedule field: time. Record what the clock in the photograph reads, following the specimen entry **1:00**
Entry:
**9:48**
